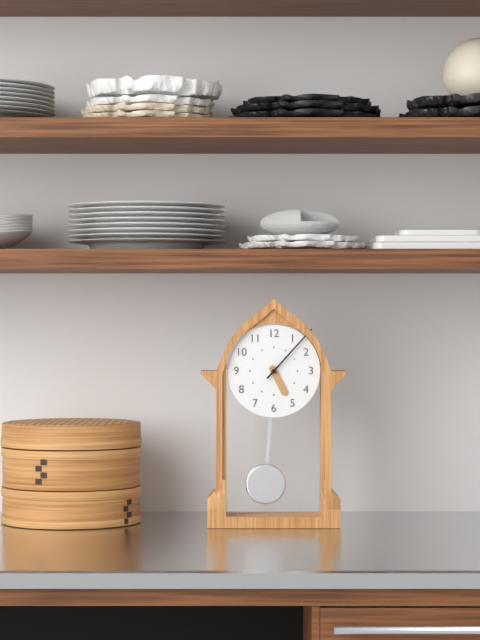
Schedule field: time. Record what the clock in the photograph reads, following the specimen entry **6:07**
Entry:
**5:07**
